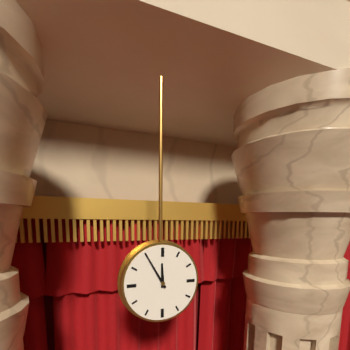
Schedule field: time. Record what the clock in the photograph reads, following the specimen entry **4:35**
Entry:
**11:55**
